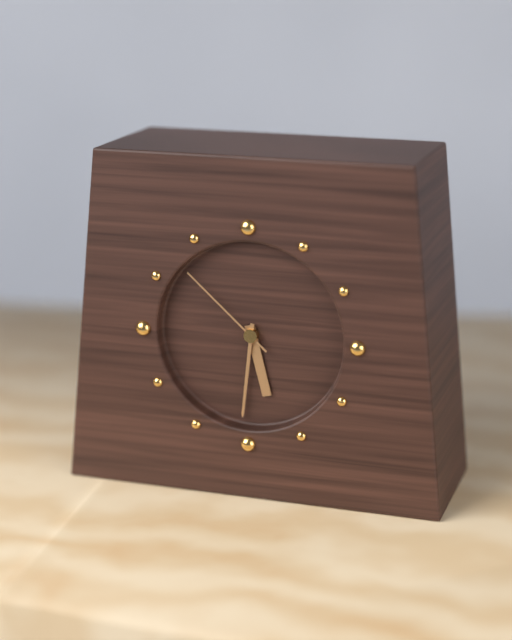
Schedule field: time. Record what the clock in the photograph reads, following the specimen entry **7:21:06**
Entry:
**5:31:52**
